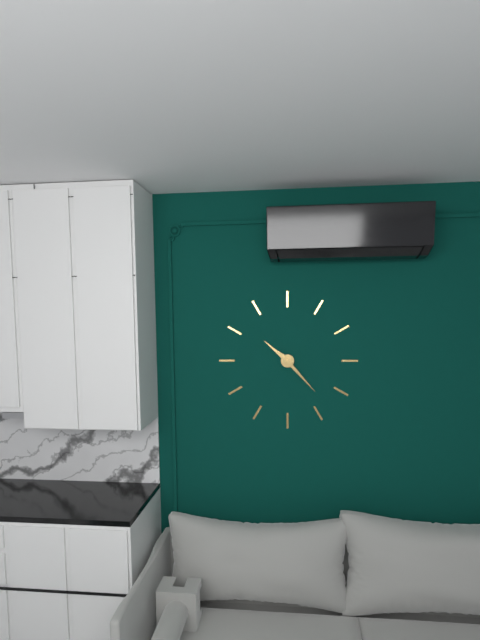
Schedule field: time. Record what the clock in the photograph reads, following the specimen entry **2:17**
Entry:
**10:23**
